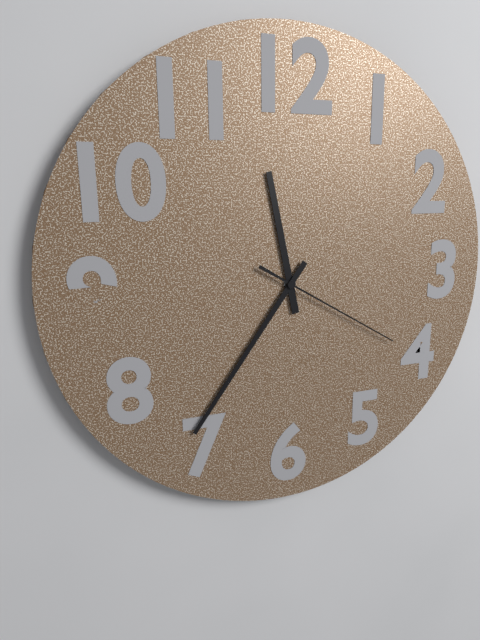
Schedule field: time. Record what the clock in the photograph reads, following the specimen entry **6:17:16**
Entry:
**11:36:20**
